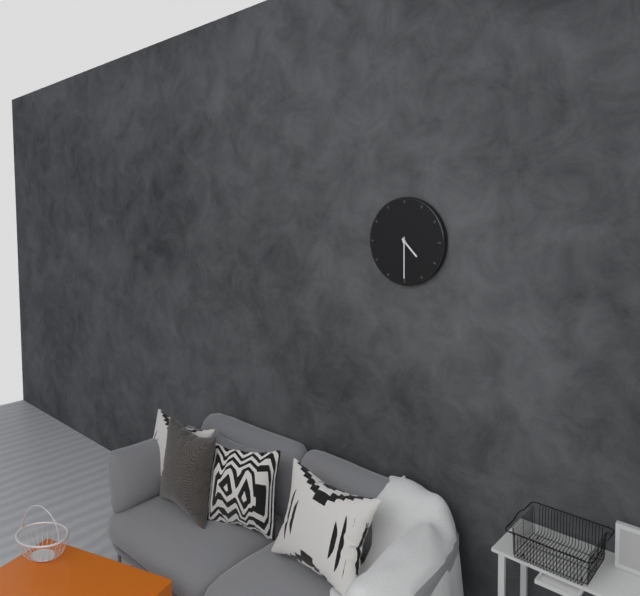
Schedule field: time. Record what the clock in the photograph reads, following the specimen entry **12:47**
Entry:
**4:30**
